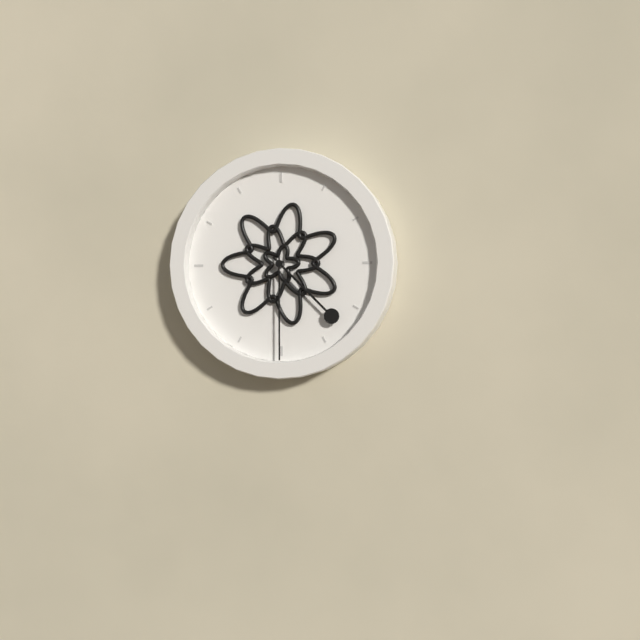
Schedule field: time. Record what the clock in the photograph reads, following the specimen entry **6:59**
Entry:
**4:30**
